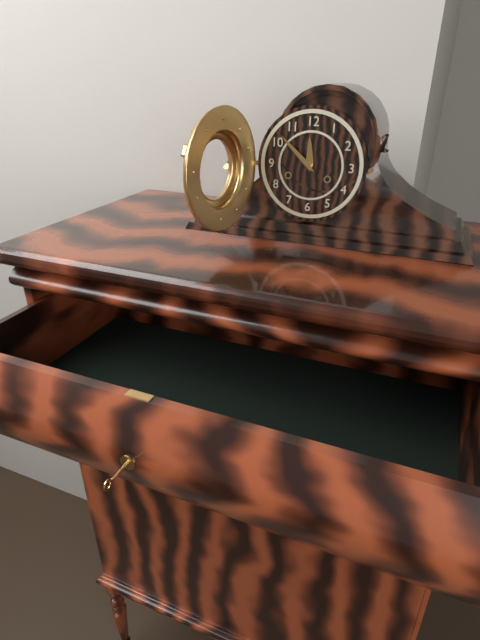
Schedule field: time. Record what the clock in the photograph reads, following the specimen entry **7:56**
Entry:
**11:52**
